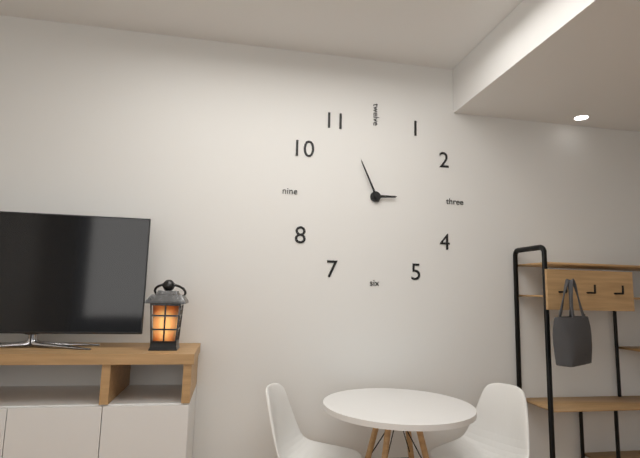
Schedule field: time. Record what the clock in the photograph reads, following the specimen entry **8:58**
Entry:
**2:56**
